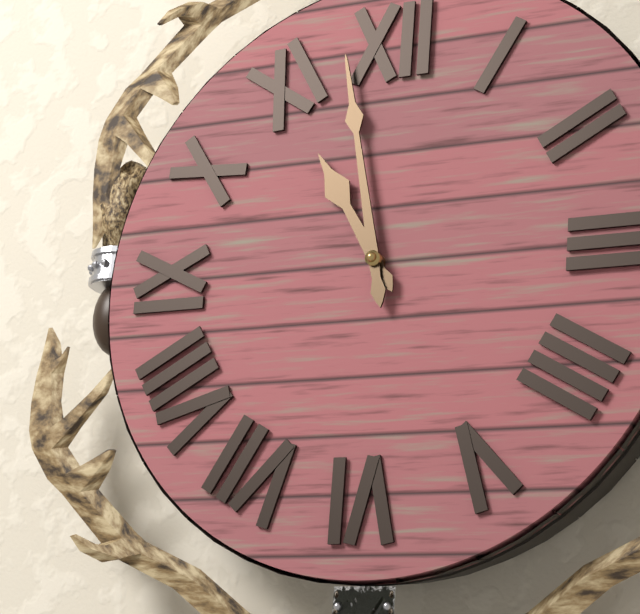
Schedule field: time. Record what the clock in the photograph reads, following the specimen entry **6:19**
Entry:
**10:58**
